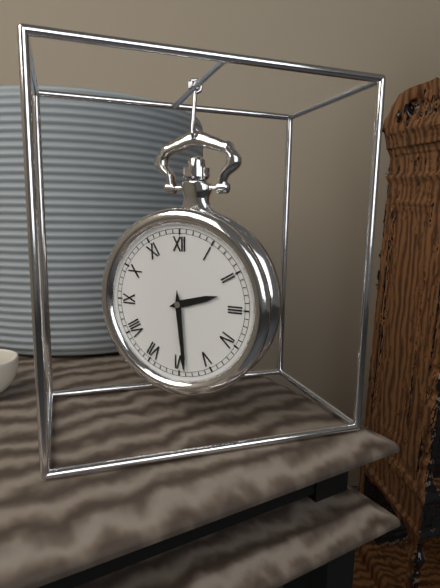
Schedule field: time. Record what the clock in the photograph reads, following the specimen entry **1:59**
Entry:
**2:29**
